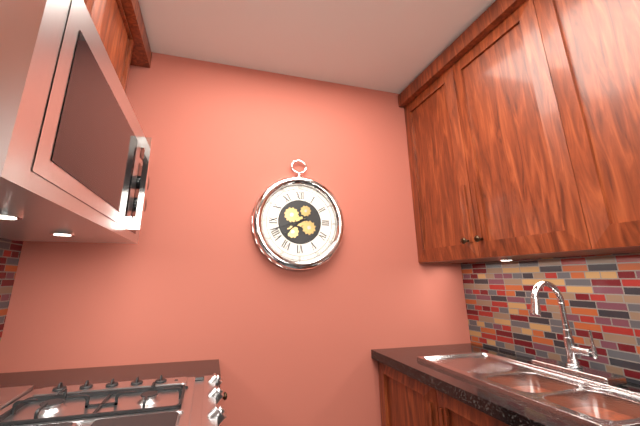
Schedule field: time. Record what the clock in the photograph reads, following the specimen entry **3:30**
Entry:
**7:42**
